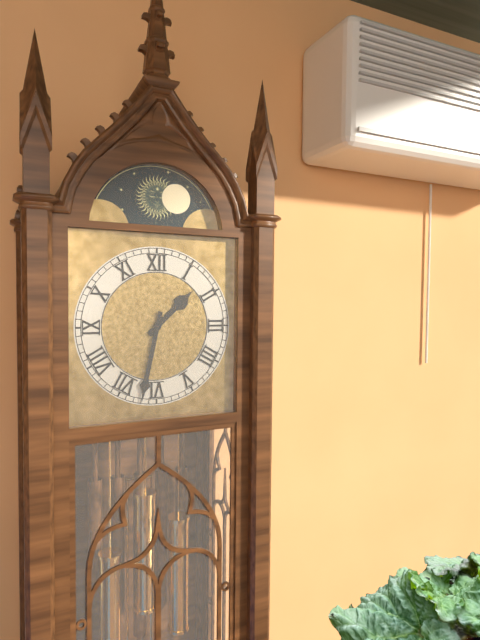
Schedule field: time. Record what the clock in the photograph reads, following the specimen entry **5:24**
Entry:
**1:32**
